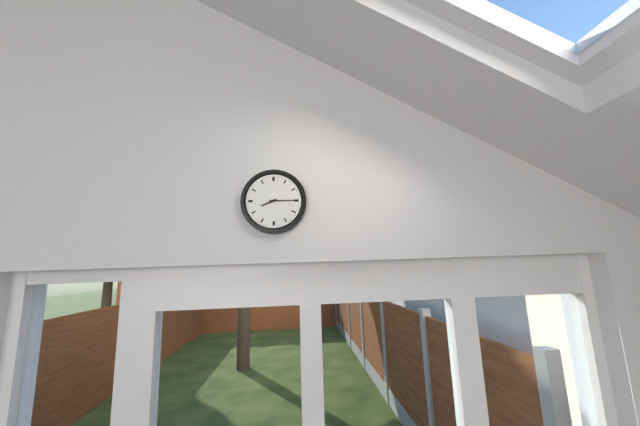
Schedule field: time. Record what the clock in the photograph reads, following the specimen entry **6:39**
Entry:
**8:15**
